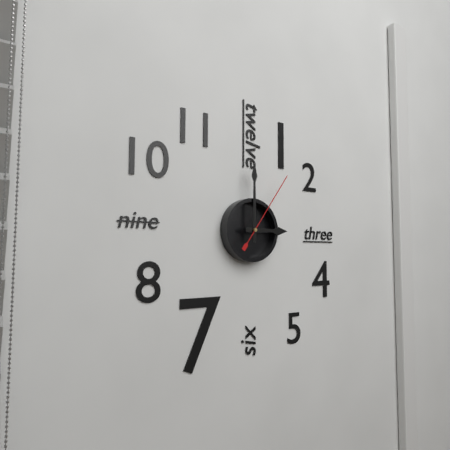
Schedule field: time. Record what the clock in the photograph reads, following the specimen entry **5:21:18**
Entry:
**3:00:06**
